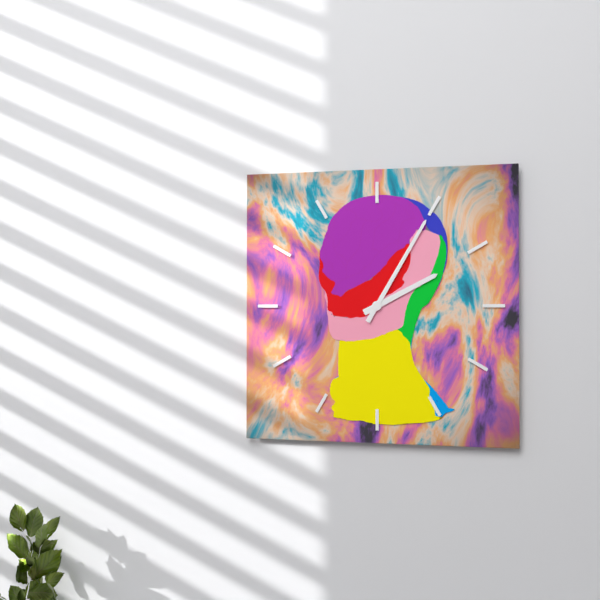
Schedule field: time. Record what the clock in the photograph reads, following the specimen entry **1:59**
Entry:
**2:05**
